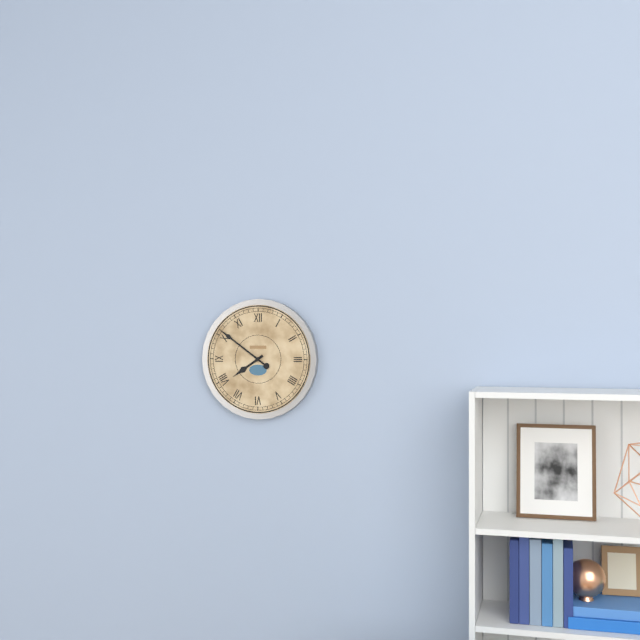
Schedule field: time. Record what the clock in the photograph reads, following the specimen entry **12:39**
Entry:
**7:51**
